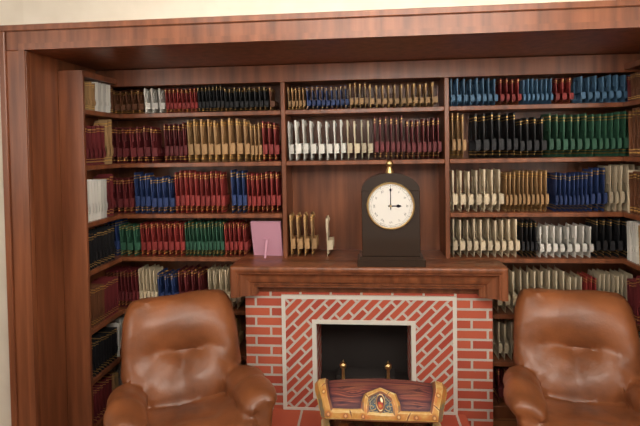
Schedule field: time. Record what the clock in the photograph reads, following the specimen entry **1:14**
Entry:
**3:00**
